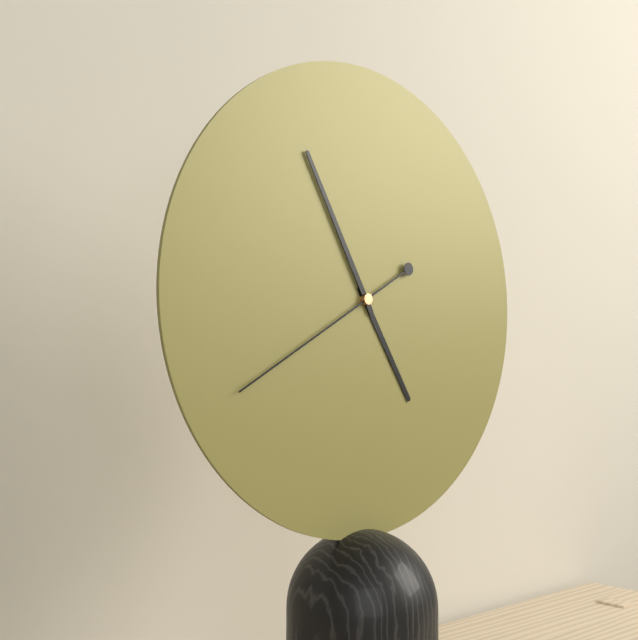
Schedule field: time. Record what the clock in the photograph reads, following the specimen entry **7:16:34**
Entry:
**4:55:40**
